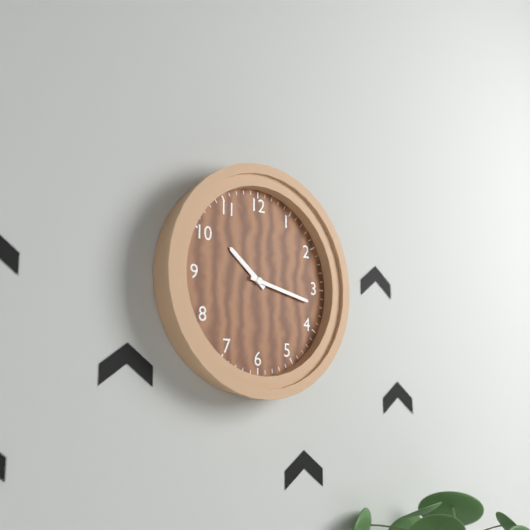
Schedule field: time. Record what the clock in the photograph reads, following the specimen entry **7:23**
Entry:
**10:17**
